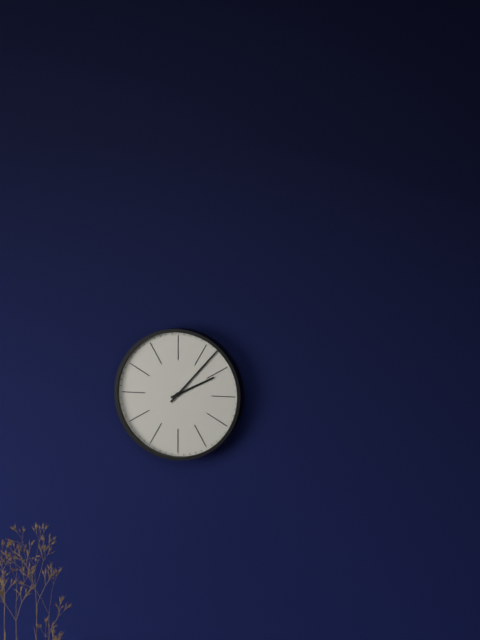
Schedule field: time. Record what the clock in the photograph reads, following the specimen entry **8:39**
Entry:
**2:07**
